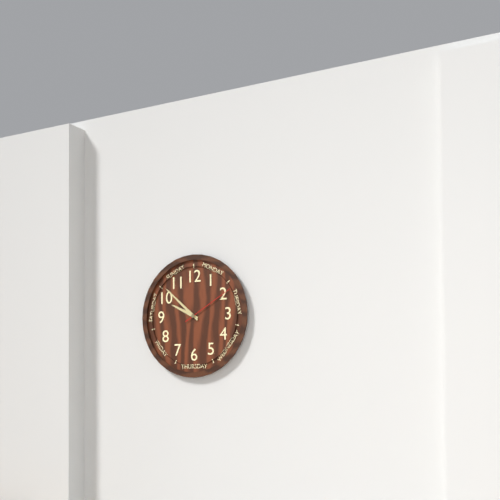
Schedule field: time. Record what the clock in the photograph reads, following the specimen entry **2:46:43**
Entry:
**9:52:10**
